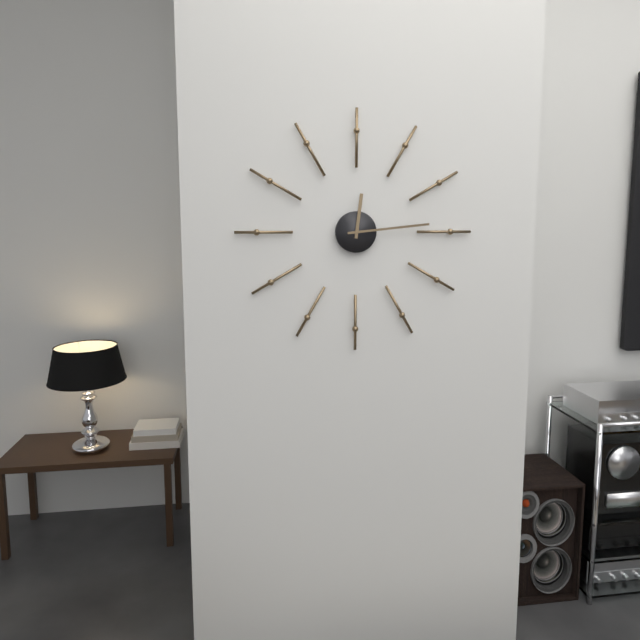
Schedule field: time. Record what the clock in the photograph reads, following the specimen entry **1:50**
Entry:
**12:14**
